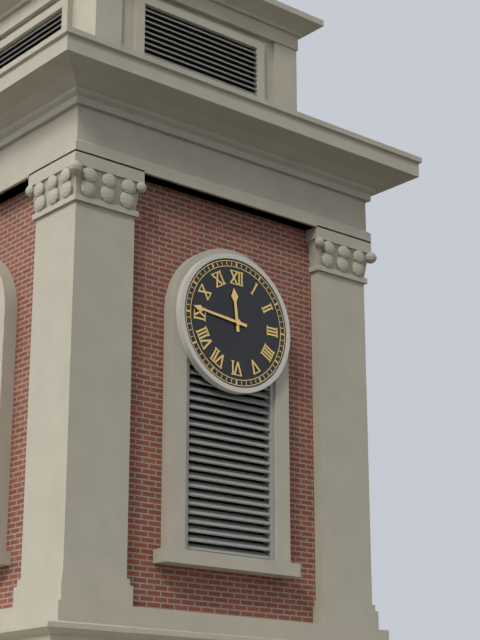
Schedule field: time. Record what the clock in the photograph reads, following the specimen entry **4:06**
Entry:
**11:46**
